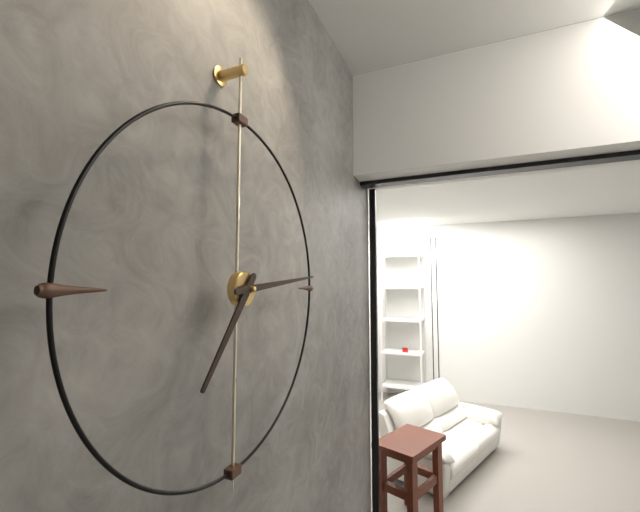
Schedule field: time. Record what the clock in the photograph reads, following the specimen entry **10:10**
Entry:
**7:14**
